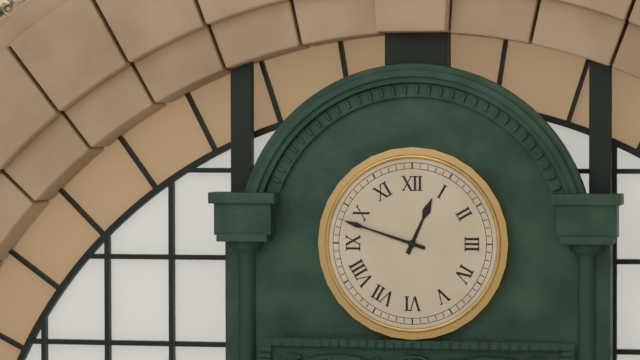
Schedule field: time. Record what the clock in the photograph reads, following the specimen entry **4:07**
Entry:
**12:48**
